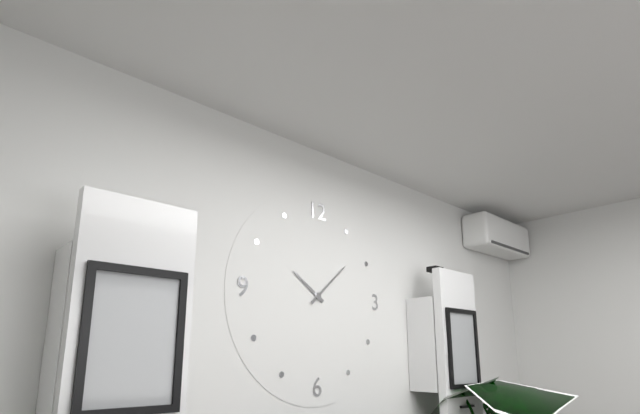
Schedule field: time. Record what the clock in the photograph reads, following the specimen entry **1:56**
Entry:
**10:08**
